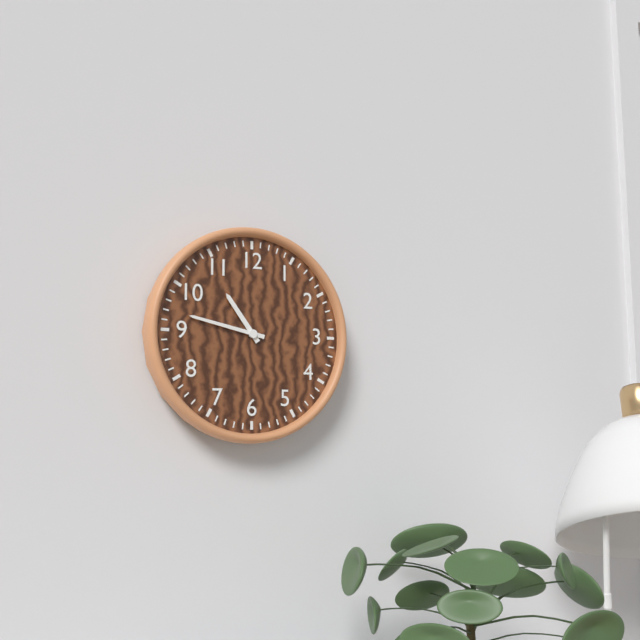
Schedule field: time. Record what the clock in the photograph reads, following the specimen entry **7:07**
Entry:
**10:47**
